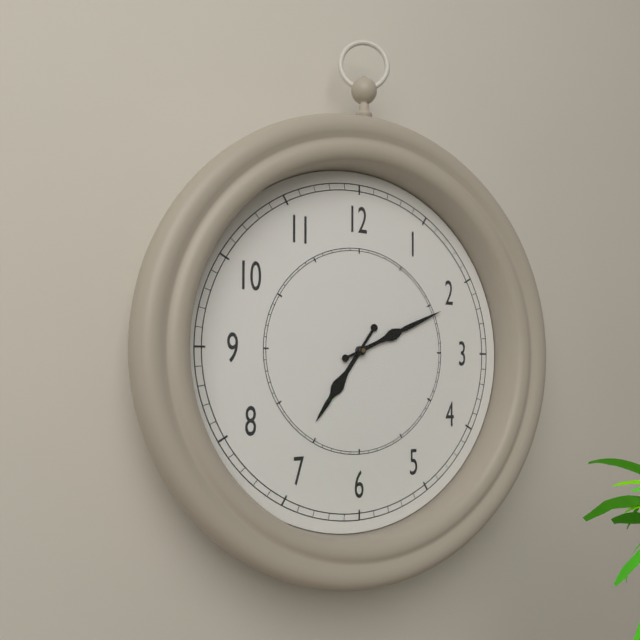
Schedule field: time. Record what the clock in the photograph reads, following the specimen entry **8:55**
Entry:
**7:11**
